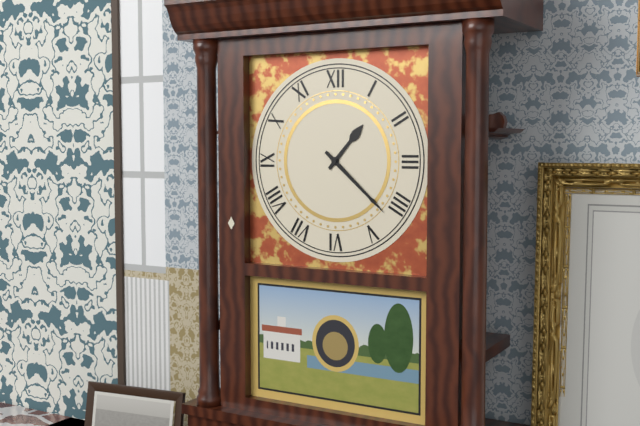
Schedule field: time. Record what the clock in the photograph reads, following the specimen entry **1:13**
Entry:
**1:22**
